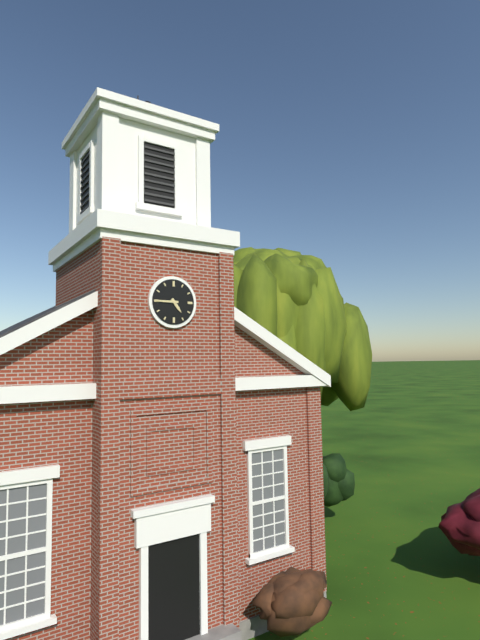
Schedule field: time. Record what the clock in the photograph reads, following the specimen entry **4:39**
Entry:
**4:45**
